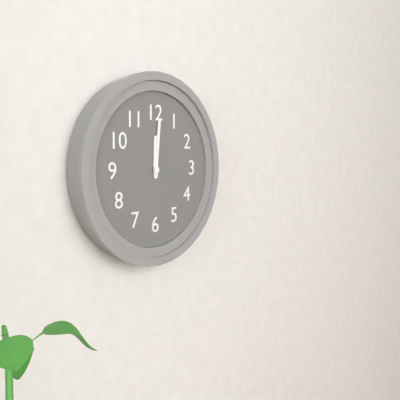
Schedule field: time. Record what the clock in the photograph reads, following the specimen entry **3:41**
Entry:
**12:01**
